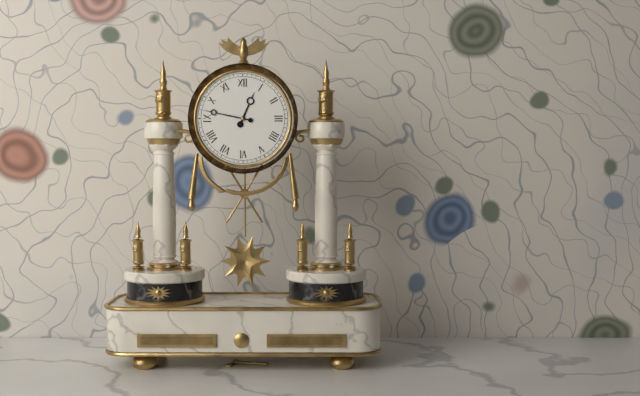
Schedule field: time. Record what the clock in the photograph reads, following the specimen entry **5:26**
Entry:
**12:47**
